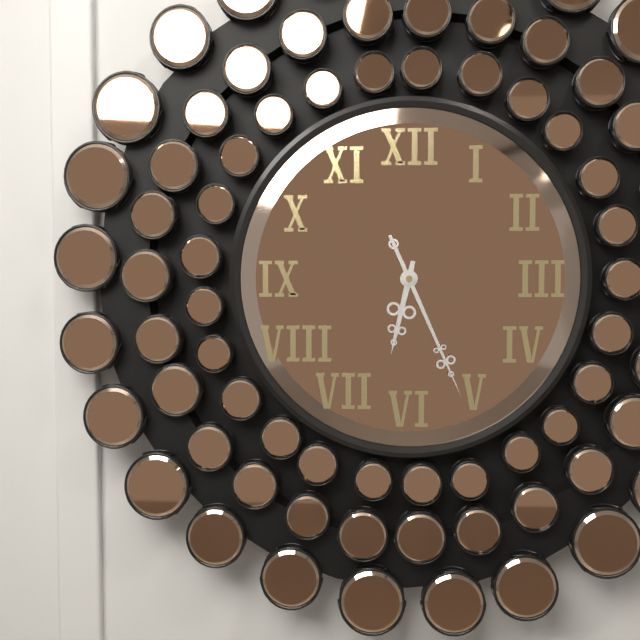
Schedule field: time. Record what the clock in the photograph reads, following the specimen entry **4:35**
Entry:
**6:26**
